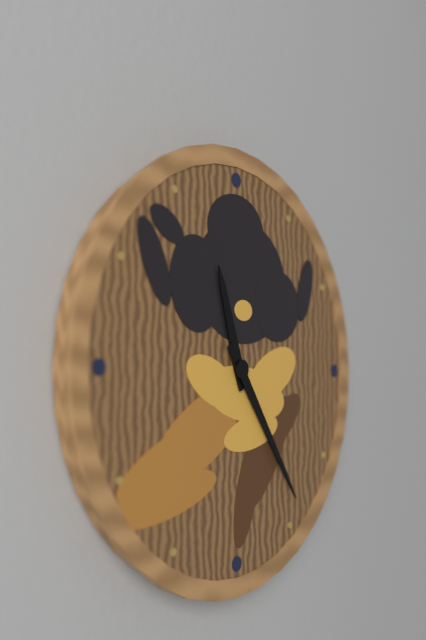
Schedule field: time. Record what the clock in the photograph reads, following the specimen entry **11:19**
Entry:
**11:24**
